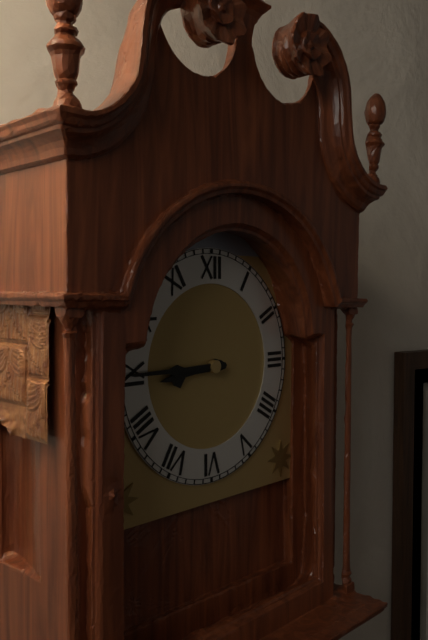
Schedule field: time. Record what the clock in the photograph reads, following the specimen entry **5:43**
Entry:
**8:45**
